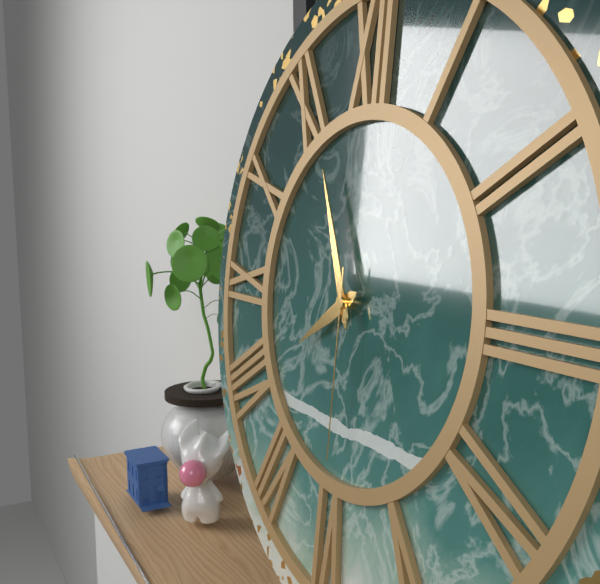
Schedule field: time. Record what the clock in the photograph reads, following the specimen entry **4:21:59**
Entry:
**7:56:30**
